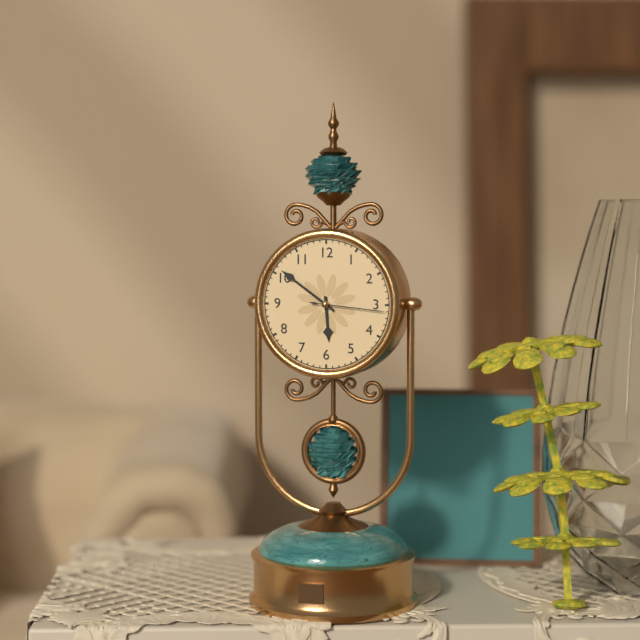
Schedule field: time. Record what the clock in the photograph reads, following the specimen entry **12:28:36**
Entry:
**5:51:16**
